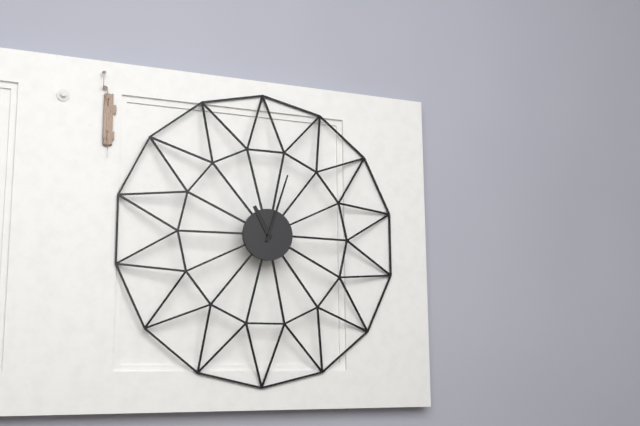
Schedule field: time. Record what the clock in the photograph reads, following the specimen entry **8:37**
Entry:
**11:03**
